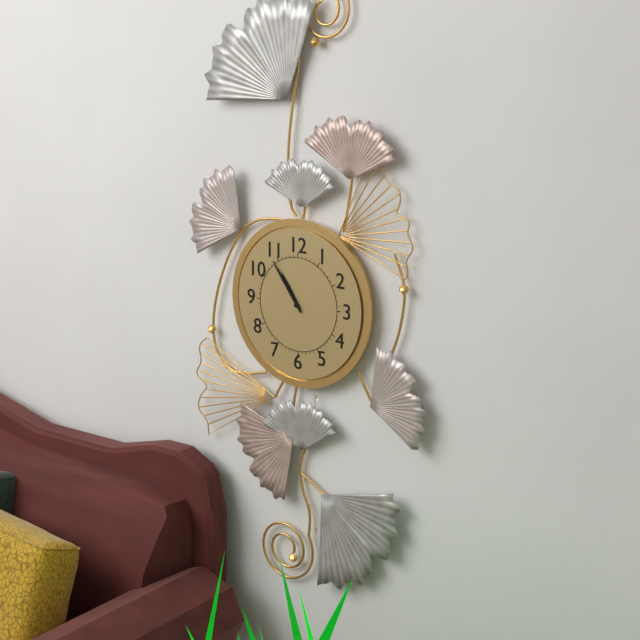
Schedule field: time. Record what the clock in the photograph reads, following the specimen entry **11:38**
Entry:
**10:54**
